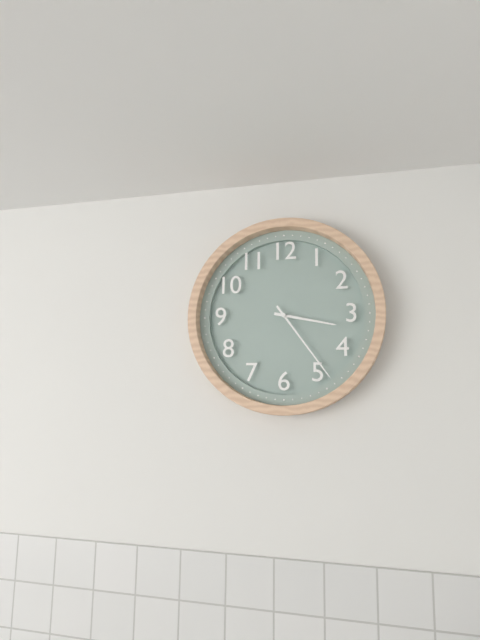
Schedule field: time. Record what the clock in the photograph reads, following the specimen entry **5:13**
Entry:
**3:24**
